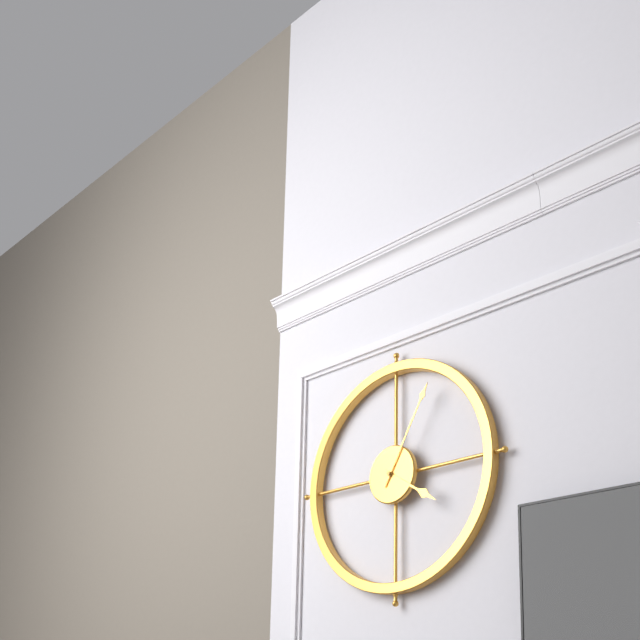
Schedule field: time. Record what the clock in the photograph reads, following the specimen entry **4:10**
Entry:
**4:05**
